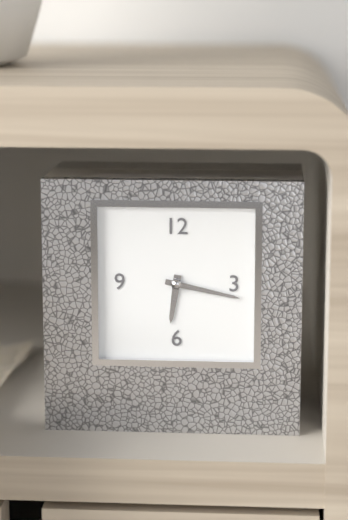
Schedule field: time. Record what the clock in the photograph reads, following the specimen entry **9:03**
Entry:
**6:17**
